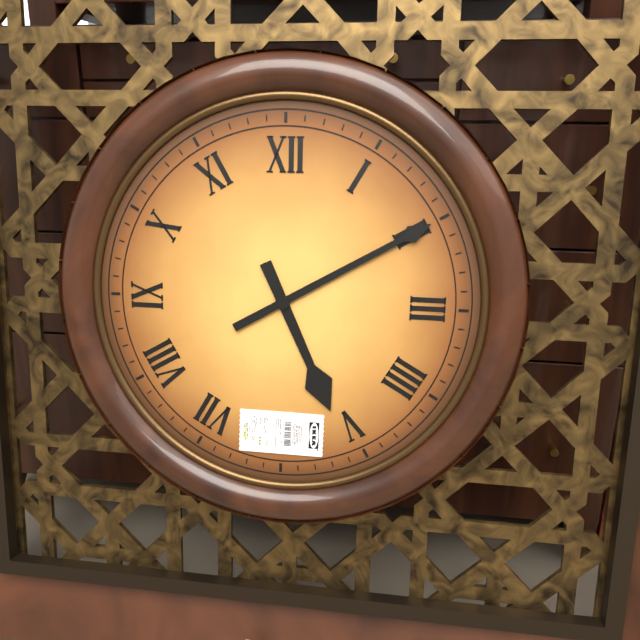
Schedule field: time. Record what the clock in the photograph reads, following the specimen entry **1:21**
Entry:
**5:10**
